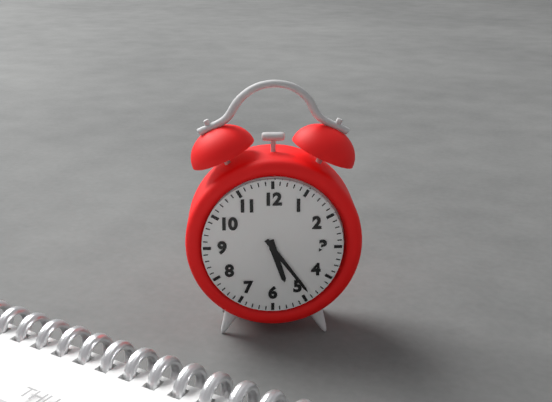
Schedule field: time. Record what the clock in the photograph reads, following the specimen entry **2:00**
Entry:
**5:24**
